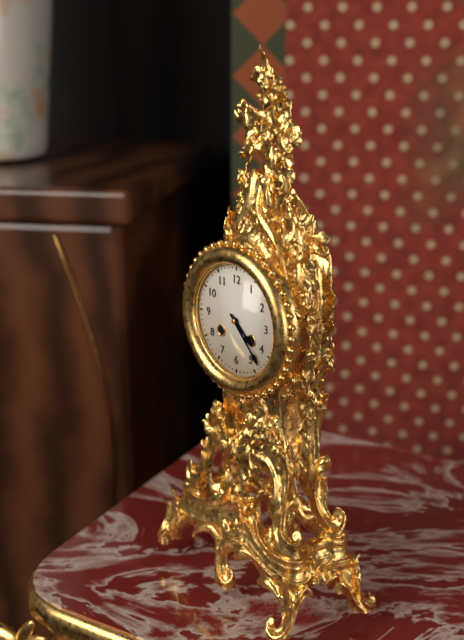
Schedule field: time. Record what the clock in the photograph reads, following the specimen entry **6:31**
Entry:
**4:23**
